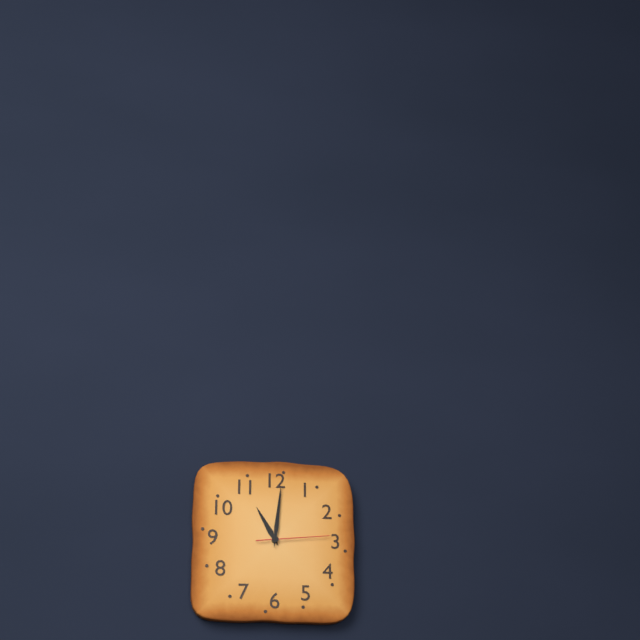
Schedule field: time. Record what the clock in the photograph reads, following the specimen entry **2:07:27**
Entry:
**11:01:14**
